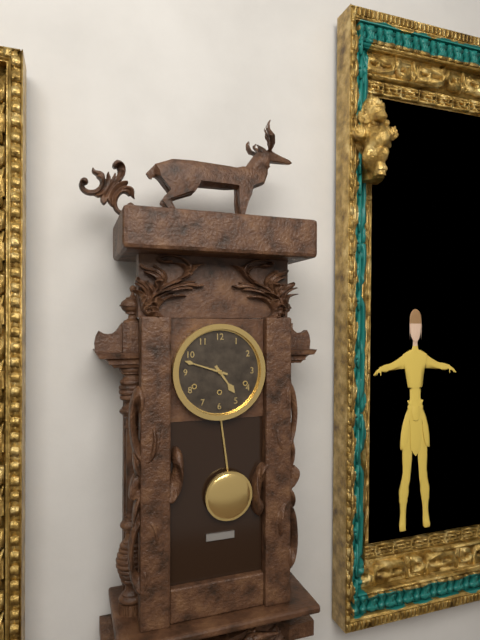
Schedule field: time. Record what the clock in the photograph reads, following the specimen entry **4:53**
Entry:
**4:48**
